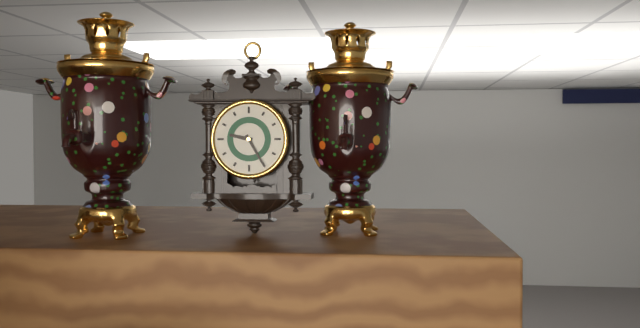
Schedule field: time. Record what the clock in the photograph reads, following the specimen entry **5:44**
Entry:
**9:25**
